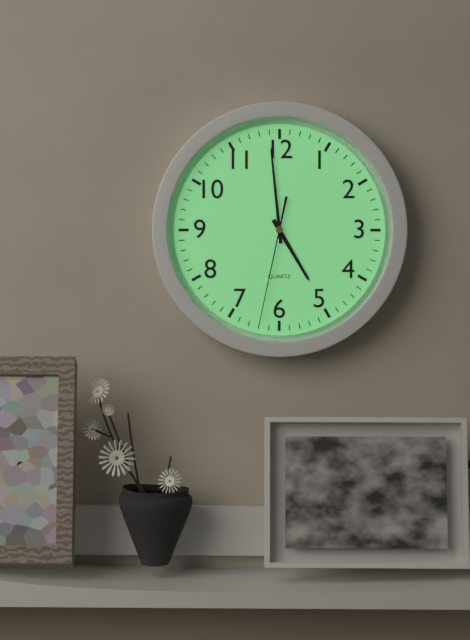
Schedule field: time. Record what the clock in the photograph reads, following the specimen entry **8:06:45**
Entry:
**4:59:32**
